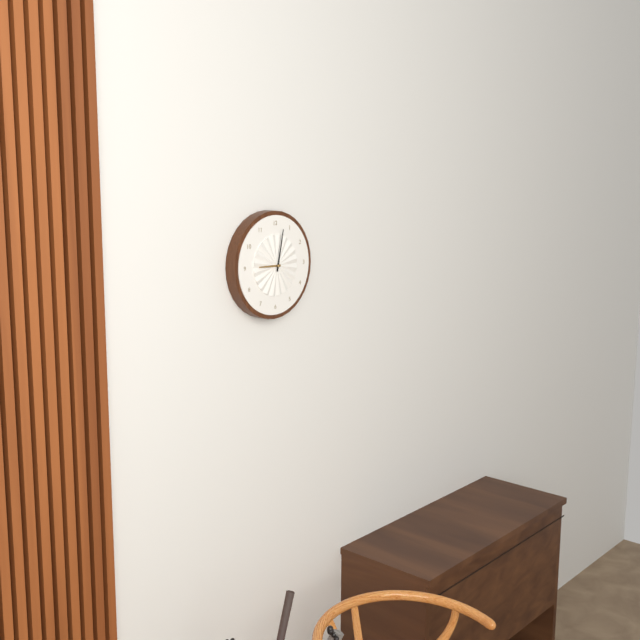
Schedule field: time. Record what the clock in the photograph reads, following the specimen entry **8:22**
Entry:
**9:02**
